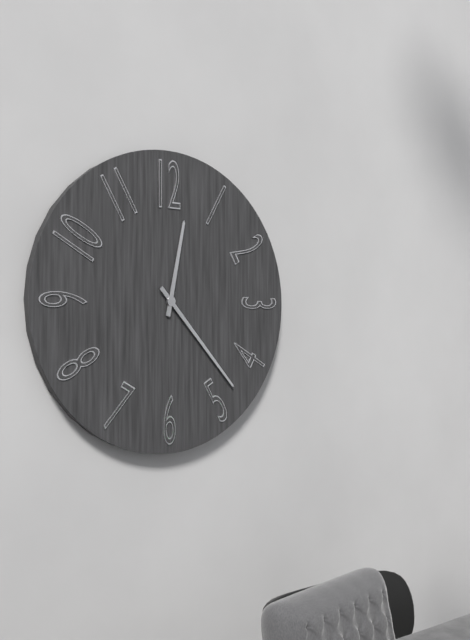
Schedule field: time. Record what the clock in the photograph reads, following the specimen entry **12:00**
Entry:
**12:23**
